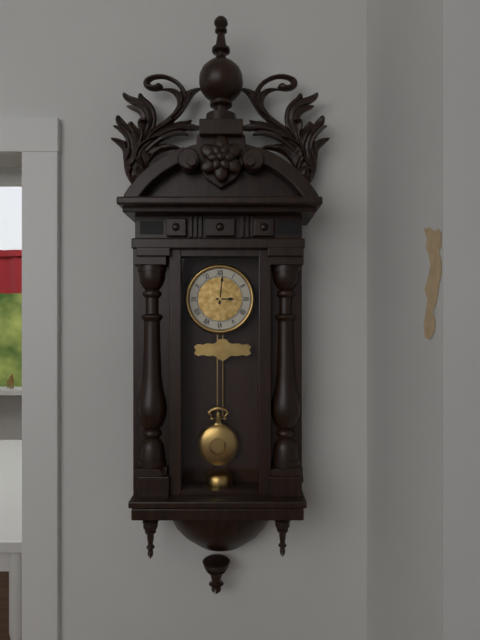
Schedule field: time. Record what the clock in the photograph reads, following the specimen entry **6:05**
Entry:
**3:01**
